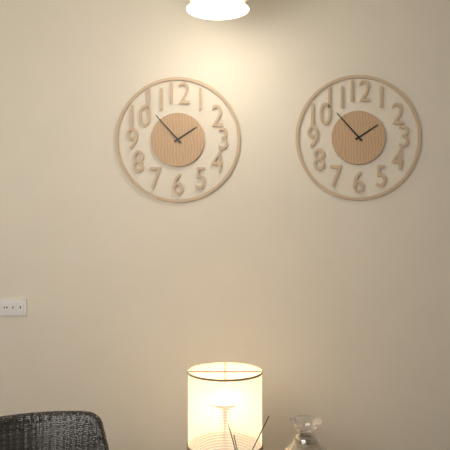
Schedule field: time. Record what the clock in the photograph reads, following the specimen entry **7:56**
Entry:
**1:53**
